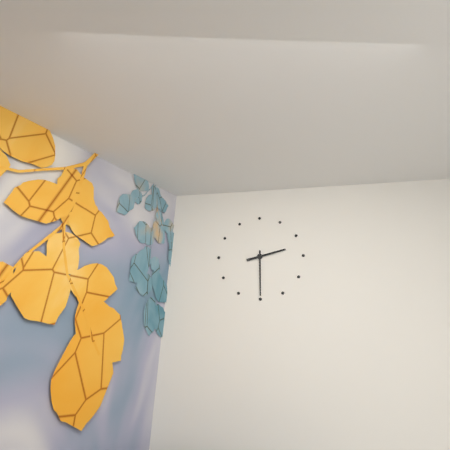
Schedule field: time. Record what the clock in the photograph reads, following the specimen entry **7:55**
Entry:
**2:30**
